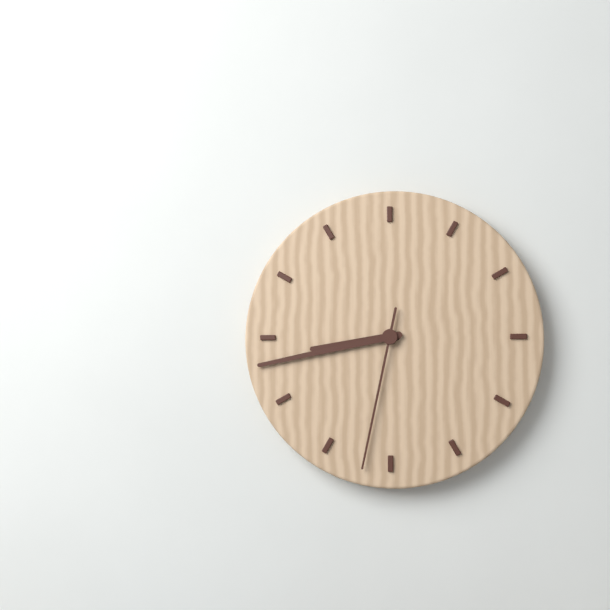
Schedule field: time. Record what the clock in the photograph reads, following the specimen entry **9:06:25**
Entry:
**8:43:32**
